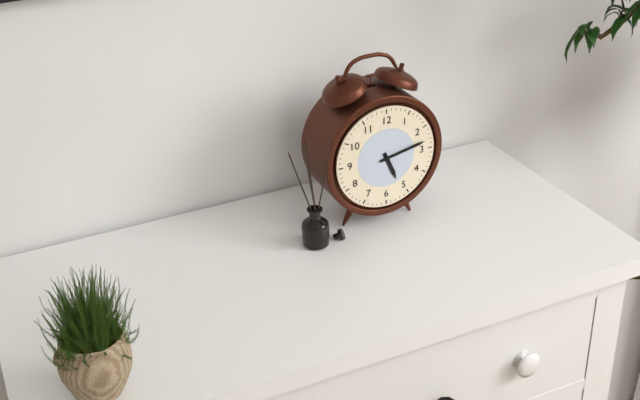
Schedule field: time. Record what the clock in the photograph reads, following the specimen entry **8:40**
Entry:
**5:13**
